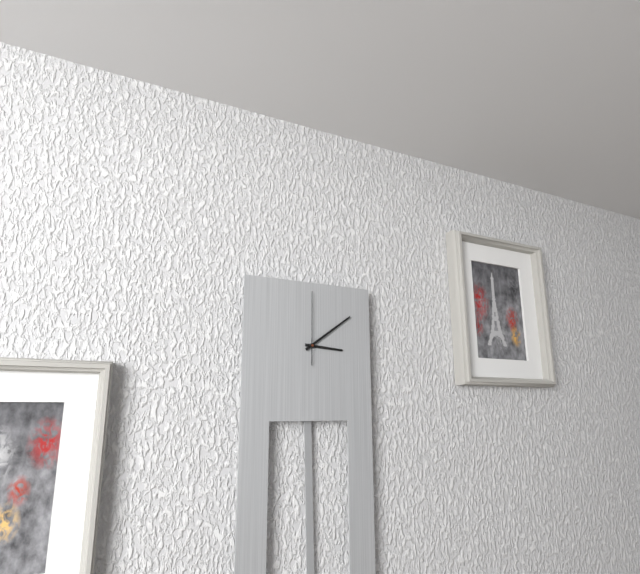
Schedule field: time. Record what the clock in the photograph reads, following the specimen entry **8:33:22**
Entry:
**3:09:00**
